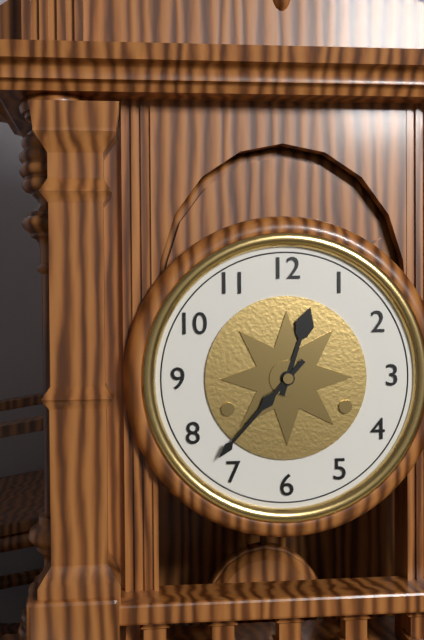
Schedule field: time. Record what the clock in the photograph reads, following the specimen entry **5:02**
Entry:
**12:37**
